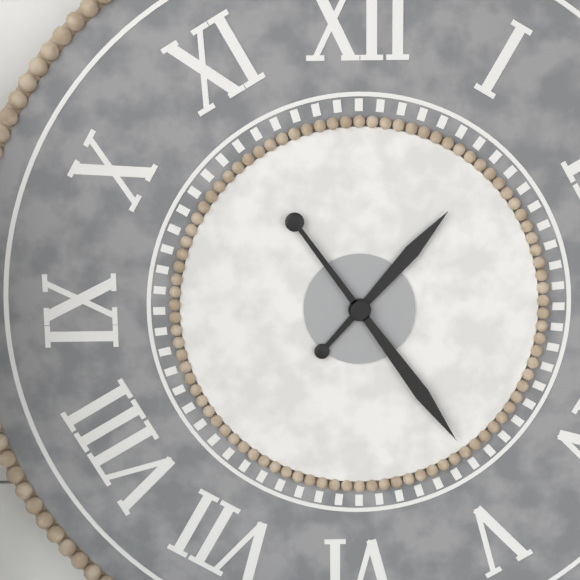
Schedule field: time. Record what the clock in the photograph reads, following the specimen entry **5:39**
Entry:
**1:24**
